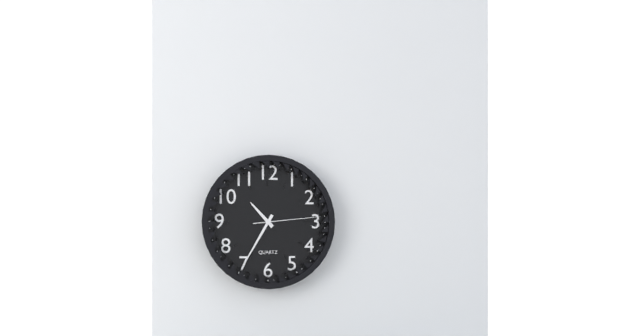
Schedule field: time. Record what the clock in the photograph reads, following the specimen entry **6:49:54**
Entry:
**10:35:14**
